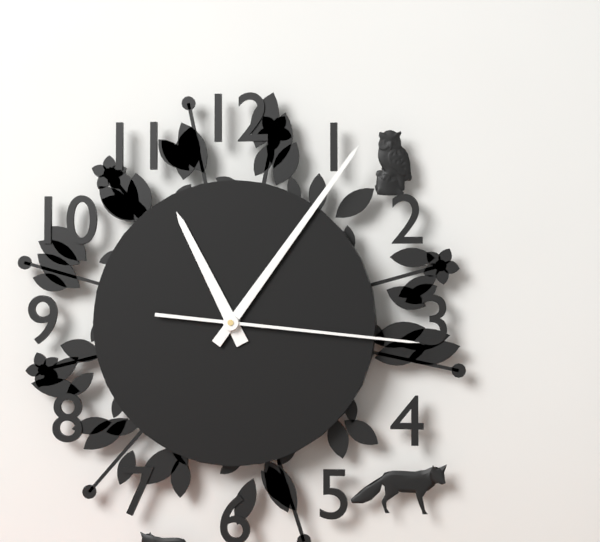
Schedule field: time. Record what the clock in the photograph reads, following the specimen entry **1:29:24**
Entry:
**11:06:16**
